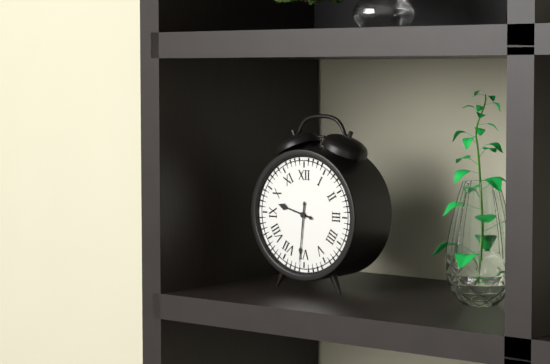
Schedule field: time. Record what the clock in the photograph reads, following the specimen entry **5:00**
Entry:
**9:31**
